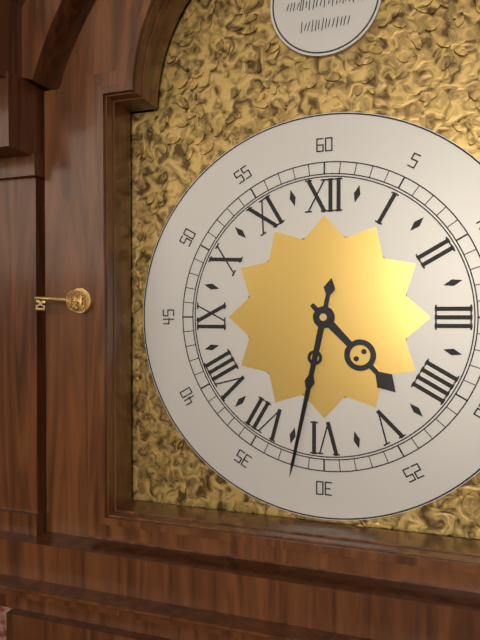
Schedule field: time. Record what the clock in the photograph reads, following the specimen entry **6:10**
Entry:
**4:32**
